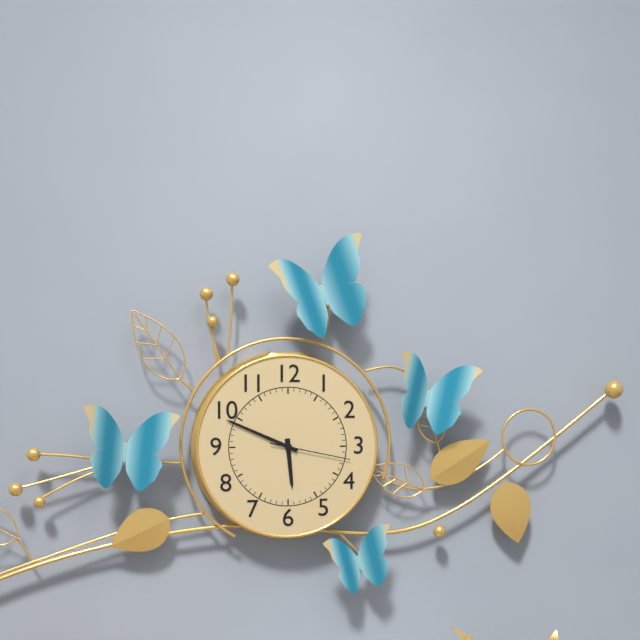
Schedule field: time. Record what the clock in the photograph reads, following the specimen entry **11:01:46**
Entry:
**5:49:17**
